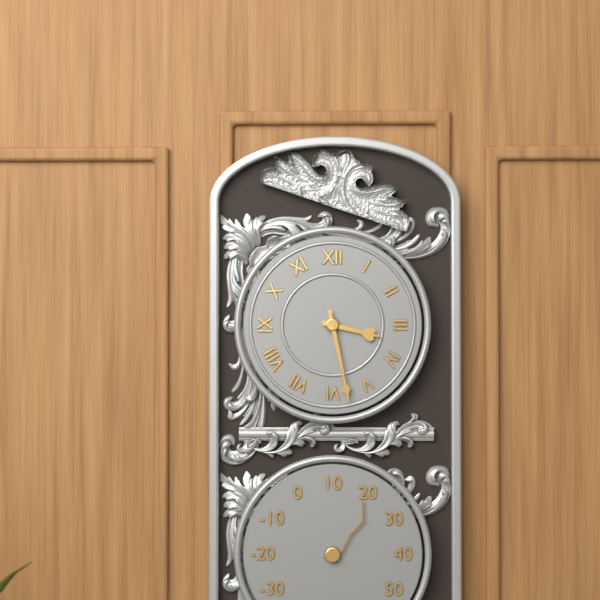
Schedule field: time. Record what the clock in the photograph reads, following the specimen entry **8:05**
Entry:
**3:28**
